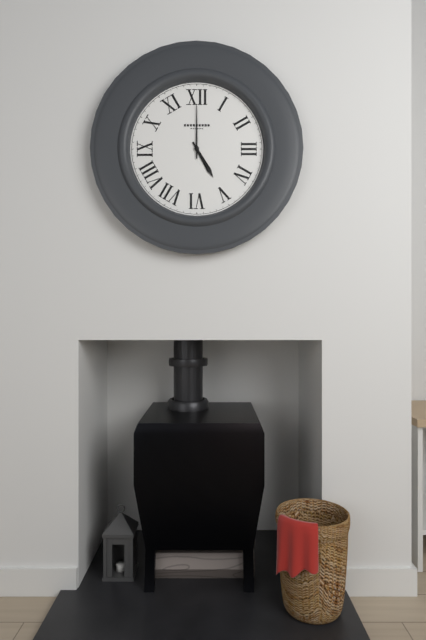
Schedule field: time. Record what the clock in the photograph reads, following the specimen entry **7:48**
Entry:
**5:00**
